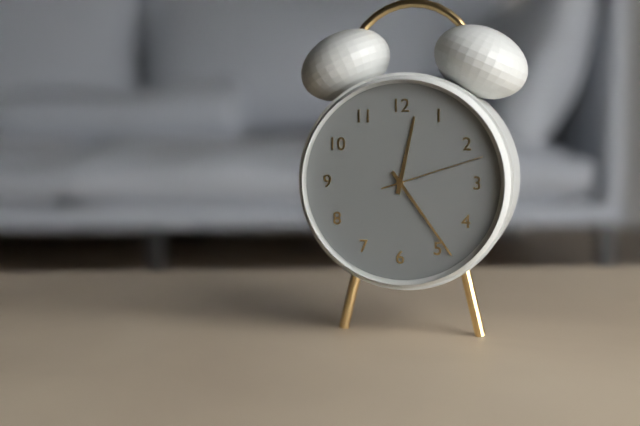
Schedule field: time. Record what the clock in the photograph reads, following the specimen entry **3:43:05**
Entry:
**12:24:12**
